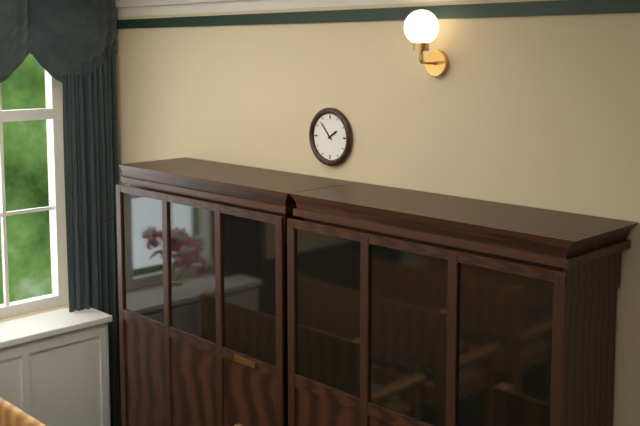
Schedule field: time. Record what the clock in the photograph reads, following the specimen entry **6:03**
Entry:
**1:53**
